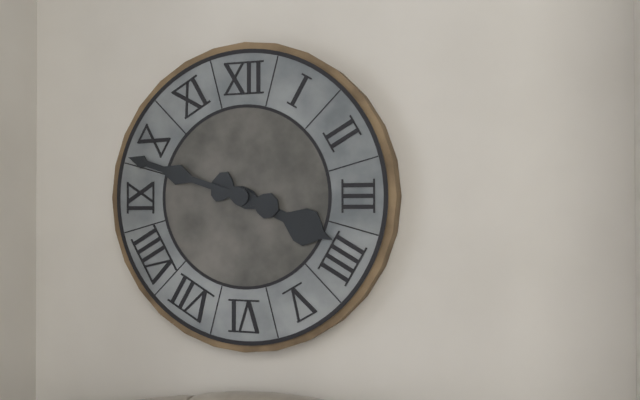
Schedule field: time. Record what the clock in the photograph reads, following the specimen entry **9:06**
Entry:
**3:48**
